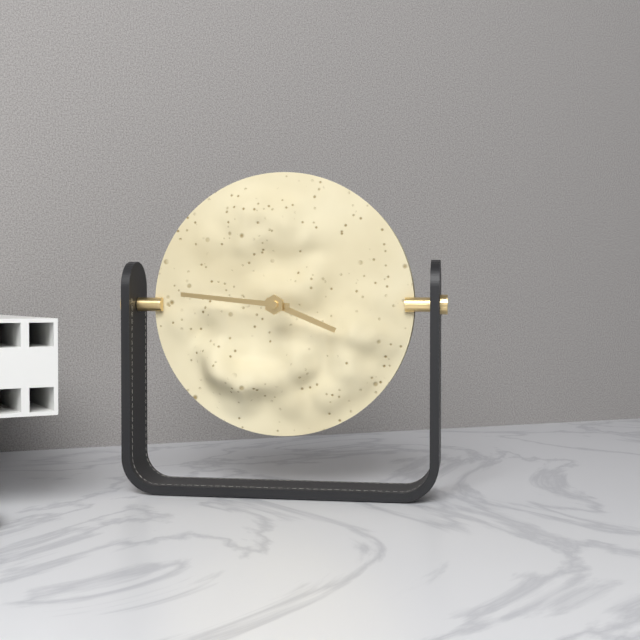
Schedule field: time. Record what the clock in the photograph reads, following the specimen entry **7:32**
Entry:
**3:46**
